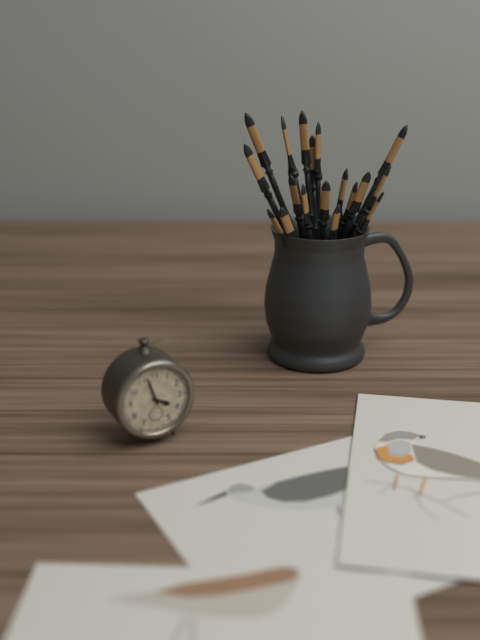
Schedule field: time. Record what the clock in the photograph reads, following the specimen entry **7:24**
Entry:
**3:57**
